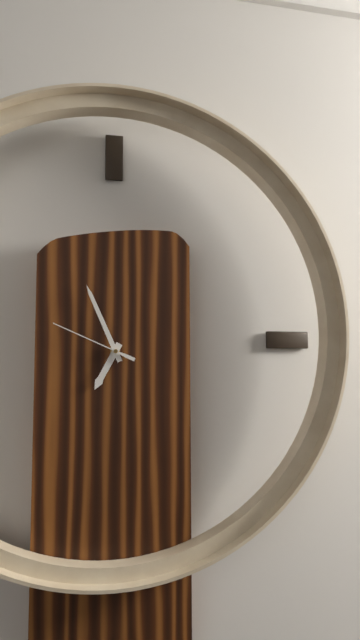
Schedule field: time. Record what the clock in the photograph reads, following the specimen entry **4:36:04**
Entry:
**6:56:49**
